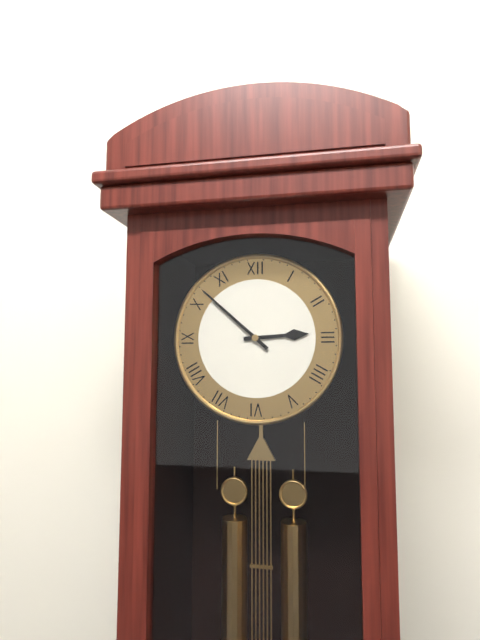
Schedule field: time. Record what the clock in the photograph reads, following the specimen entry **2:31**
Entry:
**2:52**
